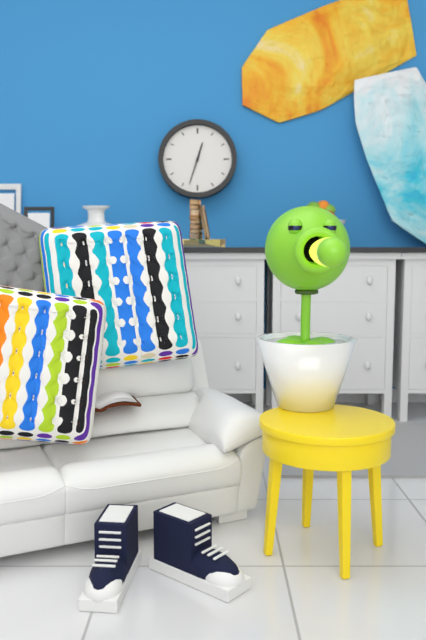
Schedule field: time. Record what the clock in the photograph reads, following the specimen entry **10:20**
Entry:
**12:33**
